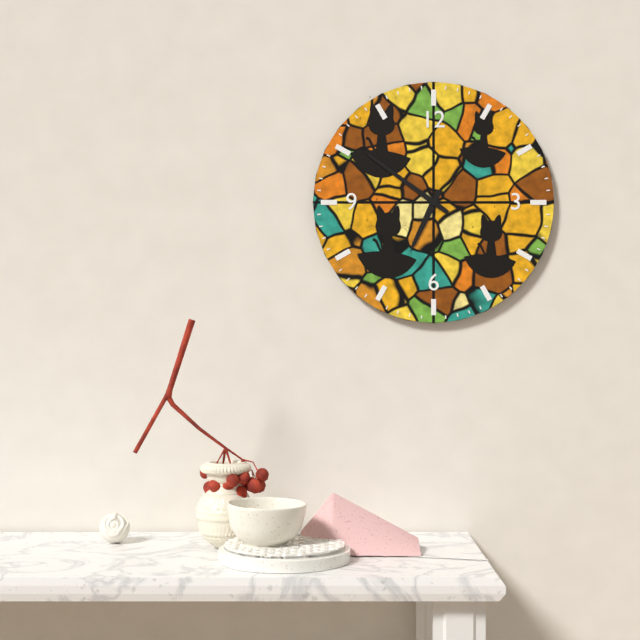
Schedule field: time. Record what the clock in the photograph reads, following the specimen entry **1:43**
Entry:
**6:51**
